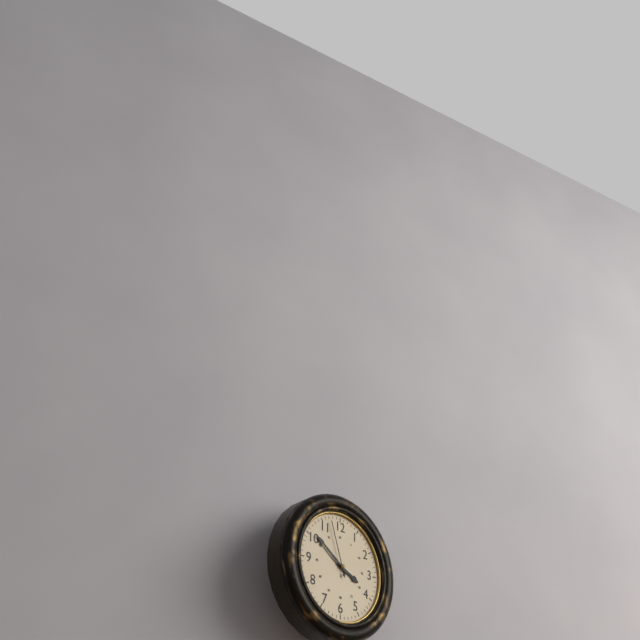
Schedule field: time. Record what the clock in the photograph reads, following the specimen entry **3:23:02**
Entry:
**3:51:57**
